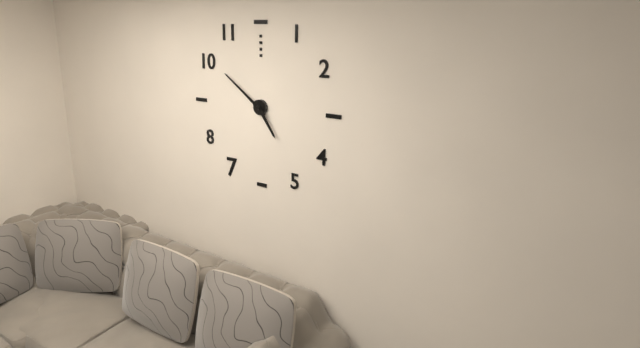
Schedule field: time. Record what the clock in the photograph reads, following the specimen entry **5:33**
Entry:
**4:51**
